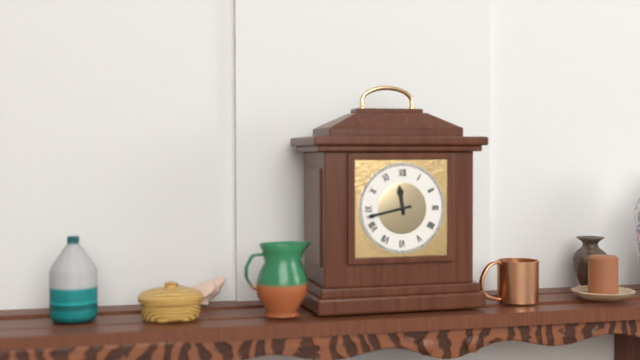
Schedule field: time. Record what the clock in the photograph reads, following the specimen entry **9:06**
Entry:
**11:43**
